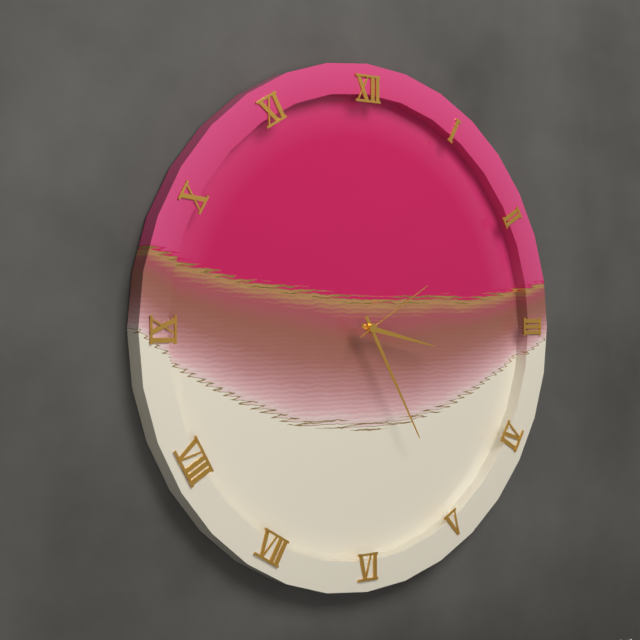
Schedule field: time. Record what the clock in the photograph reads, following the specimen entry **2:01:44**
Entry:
**3:25:10**
